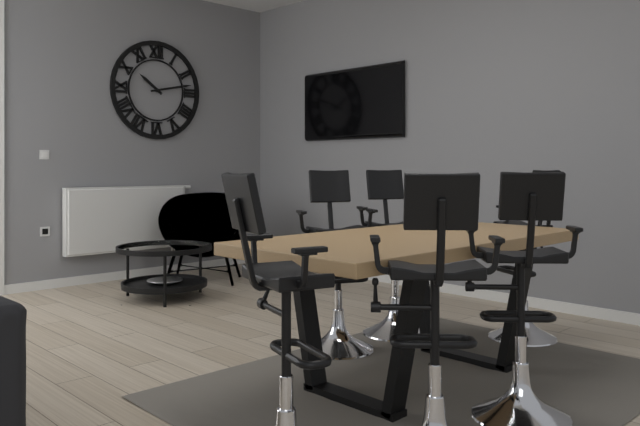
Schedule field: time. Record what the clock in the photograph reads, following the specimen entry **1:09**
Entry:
**10:13**
